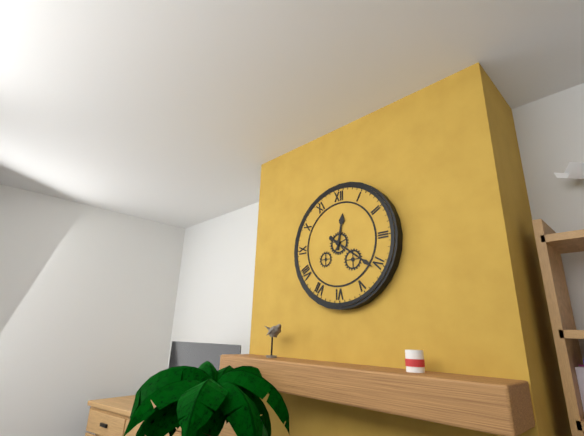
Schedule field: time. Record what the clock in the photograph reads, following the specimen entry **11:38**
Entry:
**12:21**
